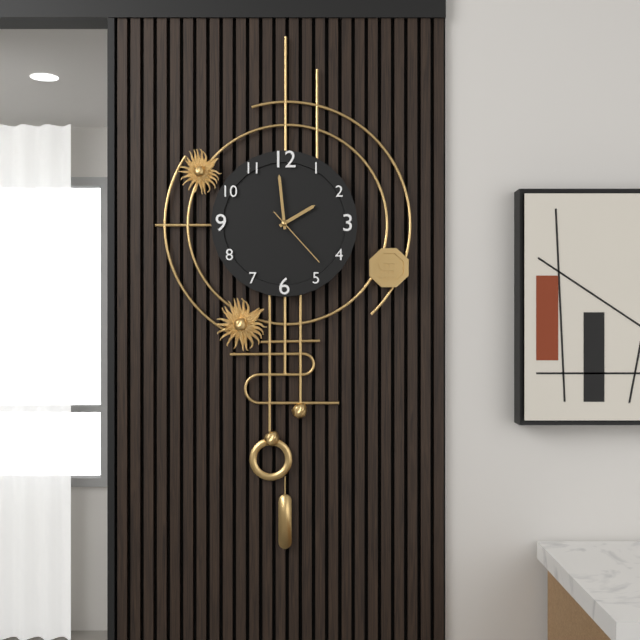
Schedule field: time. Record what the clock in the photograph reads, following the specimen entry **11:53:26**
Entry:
**1:59:23**
